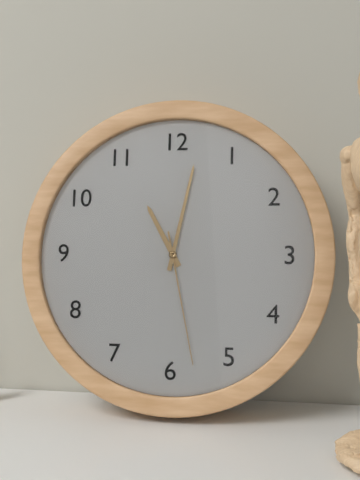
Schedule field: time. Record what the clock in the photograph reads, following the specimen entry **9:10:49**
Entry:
**11:02:28**
